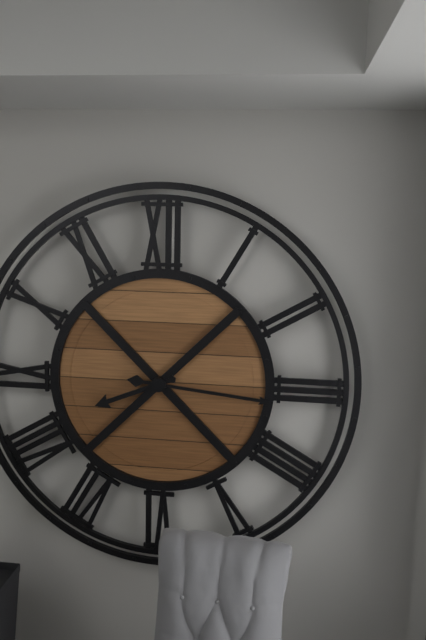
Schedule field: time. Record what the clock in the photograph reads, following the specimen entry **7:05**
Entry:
**8:16**
